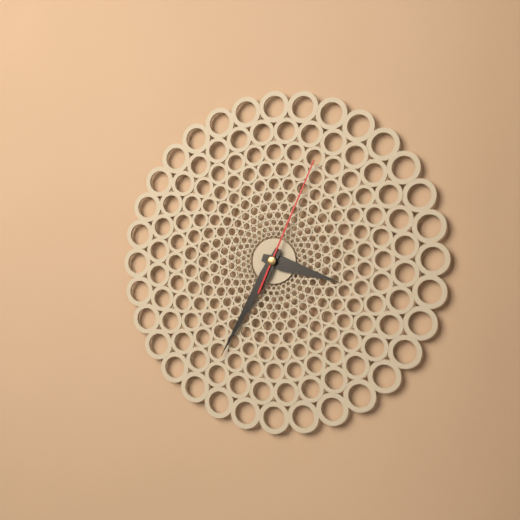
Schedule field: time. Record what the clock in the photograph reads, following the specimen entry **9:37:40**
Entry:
**3:35:04**
